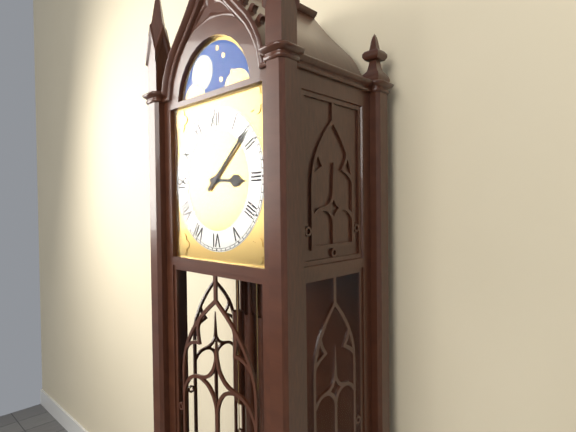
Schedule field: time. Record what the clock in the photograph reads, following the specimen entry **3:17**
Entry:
**3:08**
